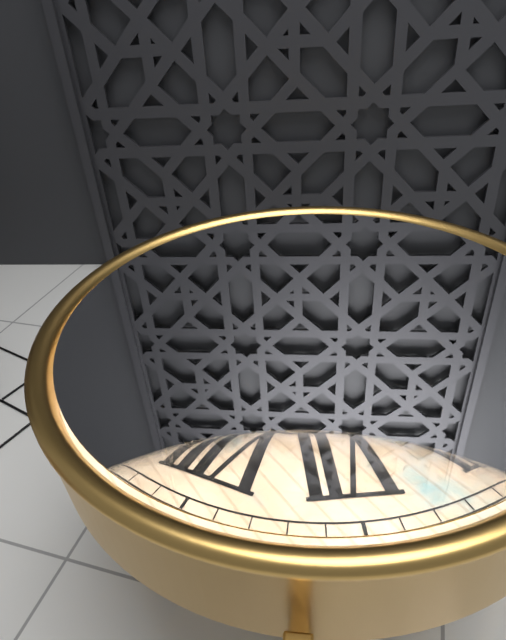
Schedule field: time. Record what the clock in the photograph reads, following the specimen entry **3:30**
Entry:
**3:04**
